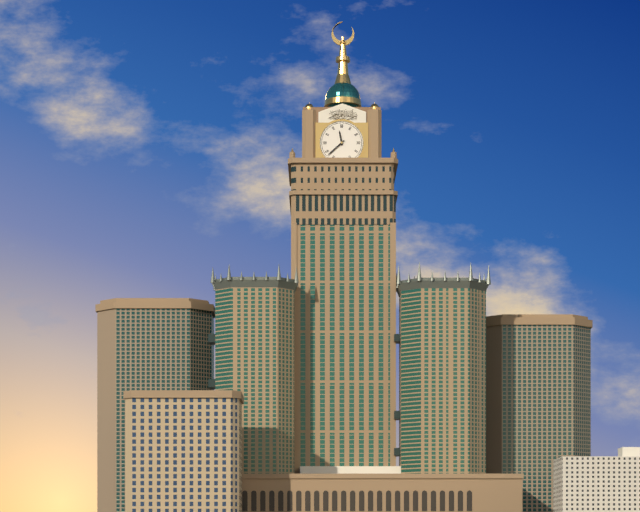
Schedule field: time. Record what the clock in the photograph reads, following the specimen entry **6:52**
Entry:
**11:38**
